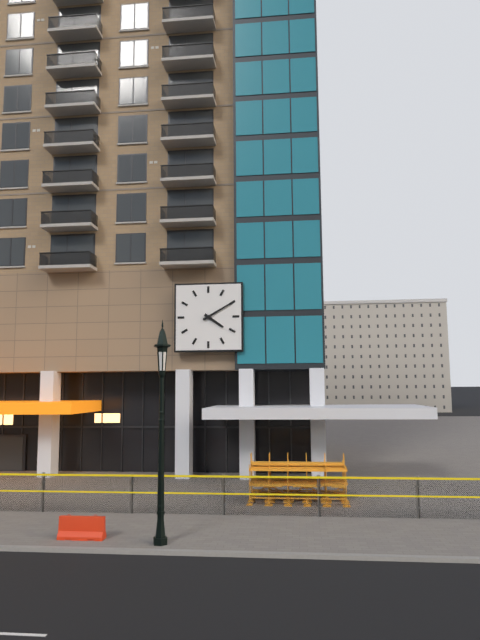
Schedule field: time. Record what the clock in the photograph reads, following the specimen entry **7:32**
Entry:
**4:10**
